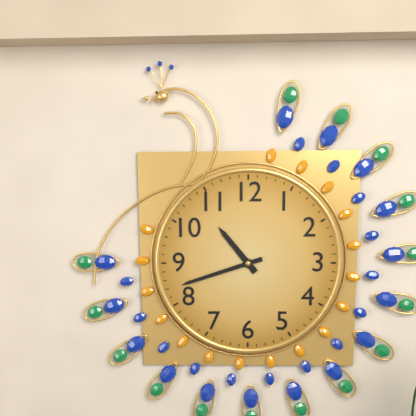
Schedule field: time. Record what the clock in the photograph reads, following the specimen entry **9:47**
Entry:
**10:42**
